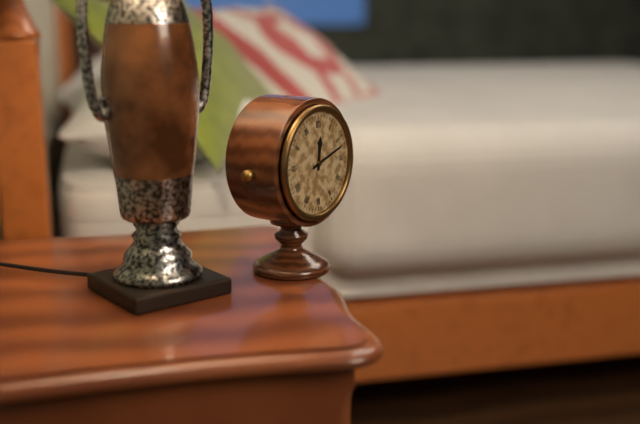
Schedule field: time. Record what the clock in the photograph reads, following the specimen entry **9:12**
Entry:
**12:12**
